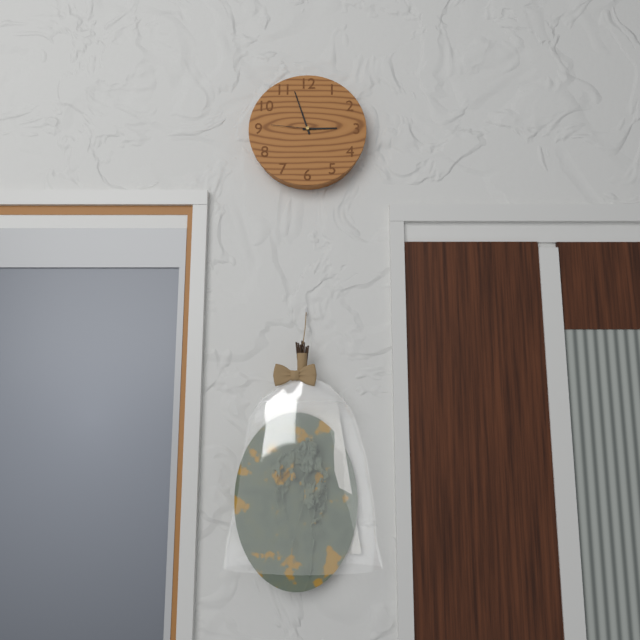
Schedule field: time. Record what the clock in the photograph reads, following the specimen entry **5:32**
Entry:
**2:57**
